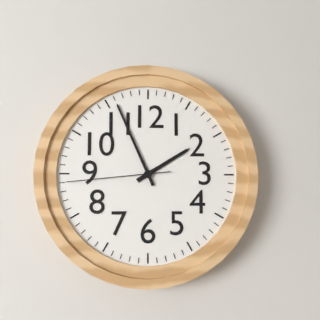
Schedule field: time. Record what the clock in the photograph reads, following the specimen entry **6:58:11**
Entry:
**1:56:44**
